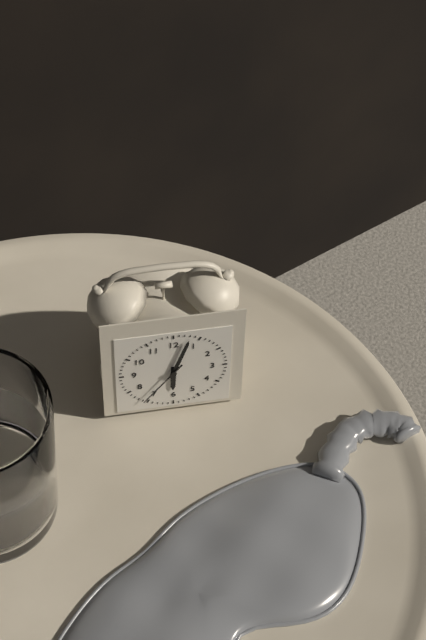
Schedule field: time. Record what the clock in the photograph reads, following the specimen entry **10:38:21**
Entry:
**6:03:36**
